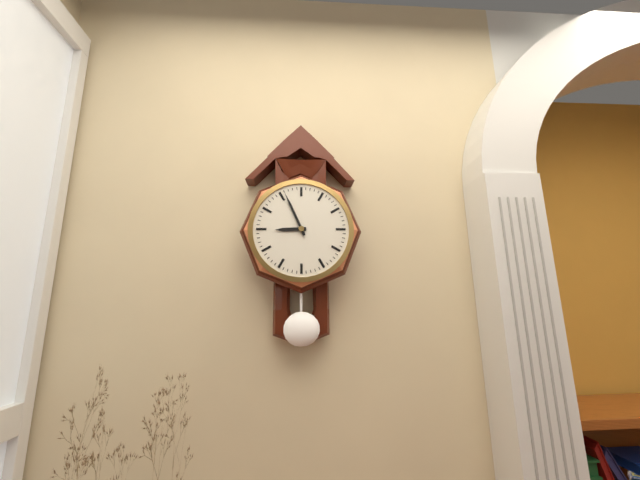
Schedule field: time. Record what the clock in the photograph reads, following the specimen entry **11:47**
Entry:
**8:56**
